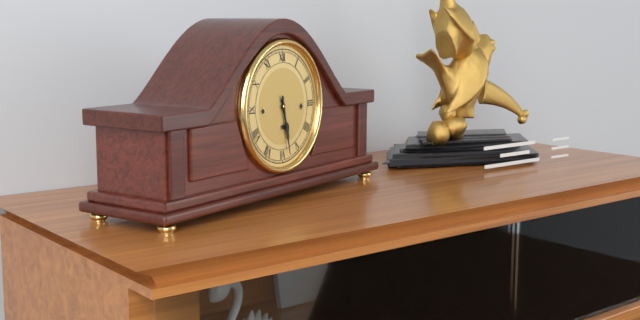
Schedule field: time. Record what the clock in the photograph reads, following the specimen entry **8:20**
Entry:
**5:28**
